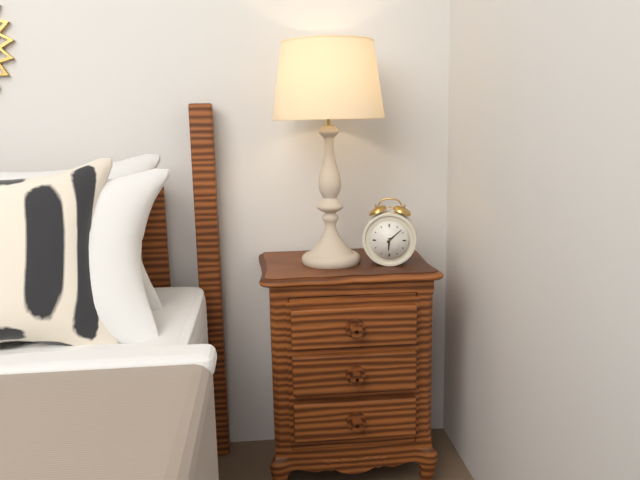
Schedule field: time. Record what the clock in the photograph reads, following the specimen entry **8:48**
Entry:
**6:08**
